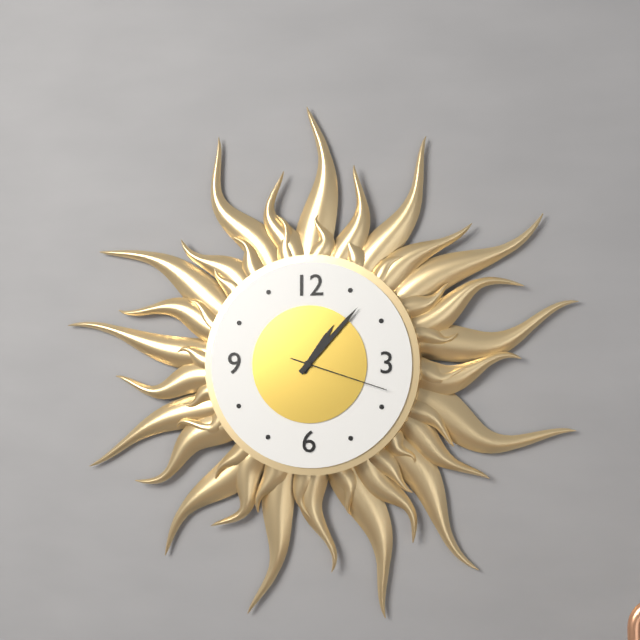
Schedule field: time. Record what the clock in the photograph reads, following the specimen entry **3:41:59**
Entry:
**1:07:18**
